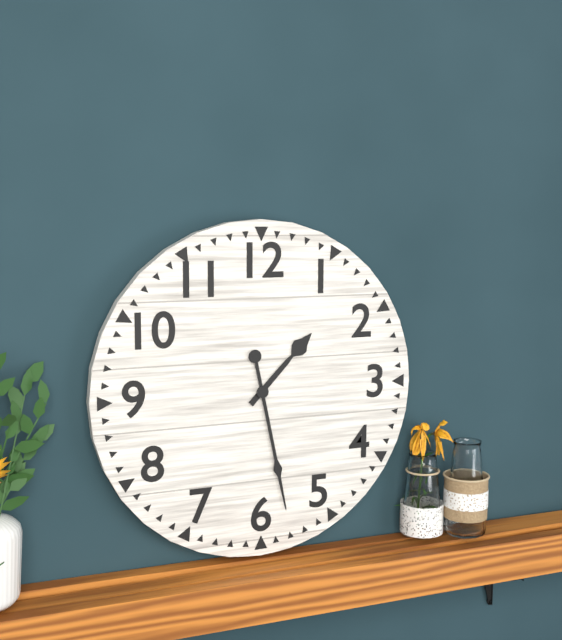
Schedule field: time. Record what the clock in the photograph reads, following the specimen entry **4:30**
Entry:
**1:28**
